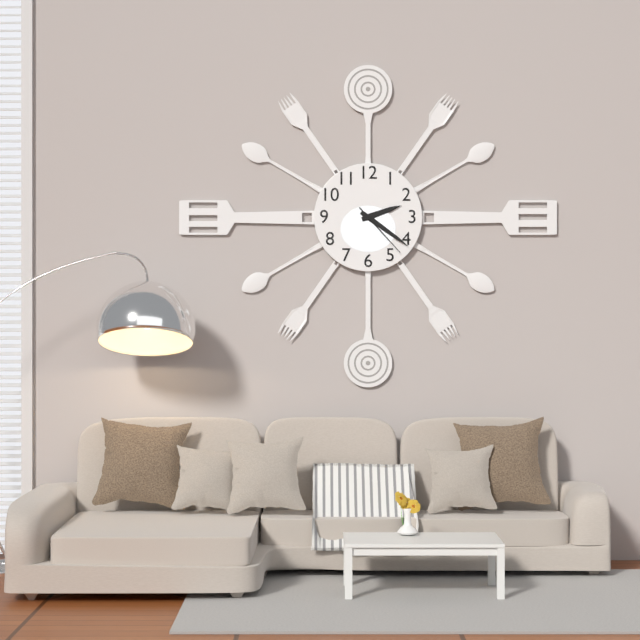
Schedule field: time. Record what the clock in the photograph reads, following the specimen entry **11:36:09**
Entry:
**2:21:23**
